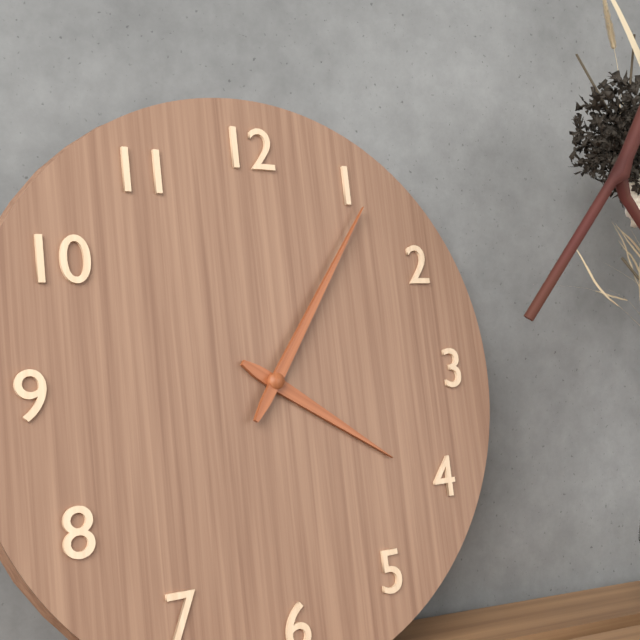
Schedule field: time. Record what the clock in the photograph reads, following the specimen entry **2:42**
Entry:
**4:06**
